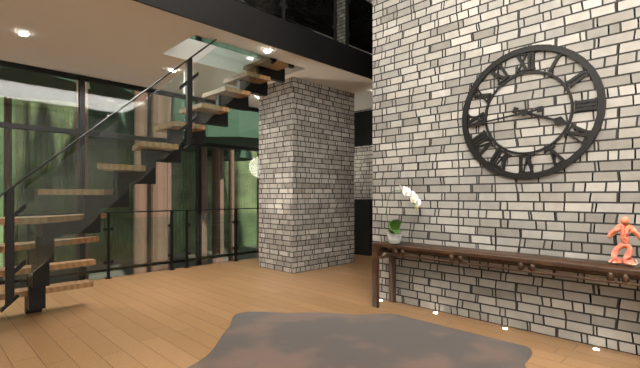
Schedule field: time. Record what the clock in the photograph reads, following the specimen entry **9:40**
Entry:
**3:44**
